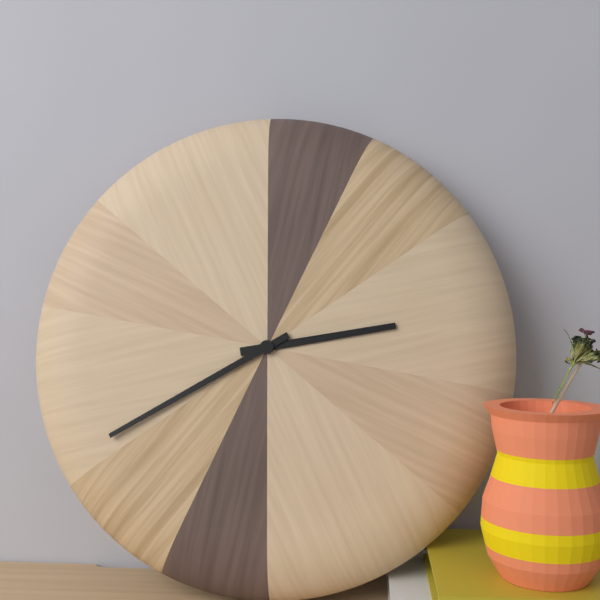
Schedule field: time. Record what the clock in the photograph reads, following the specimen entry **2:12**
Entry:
**2:40**
